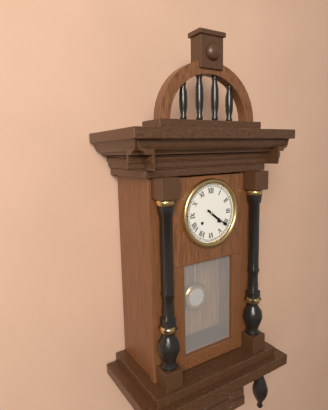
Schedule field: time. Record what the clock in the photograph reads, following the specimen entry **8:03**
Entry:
**4:21**
